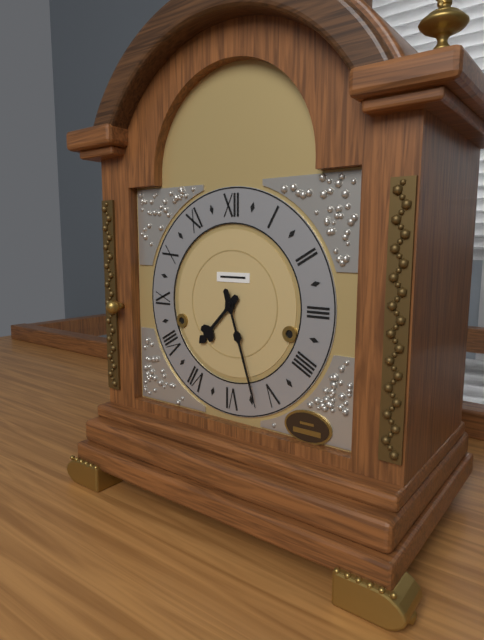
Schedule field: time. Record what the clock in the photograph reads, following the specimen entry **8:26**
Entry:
**7:27**
